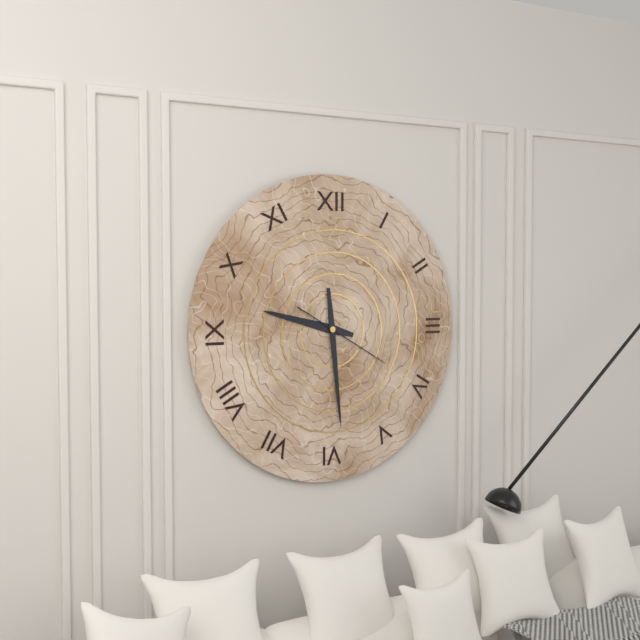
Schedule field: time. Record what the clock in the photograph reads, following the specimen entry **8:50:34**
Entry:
**9:29:20**
